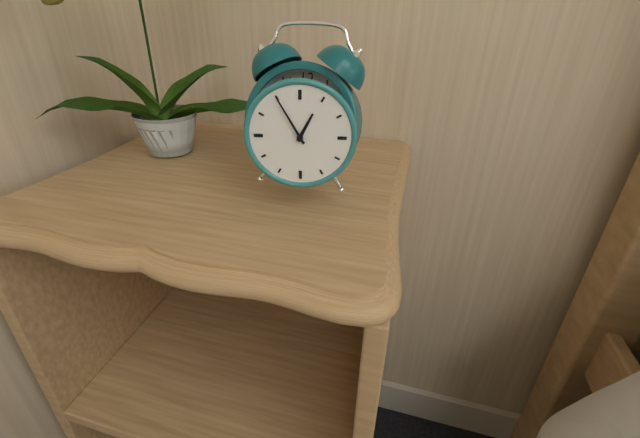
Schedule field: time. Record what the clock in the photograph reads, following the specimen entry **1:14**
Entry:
**12:55**
